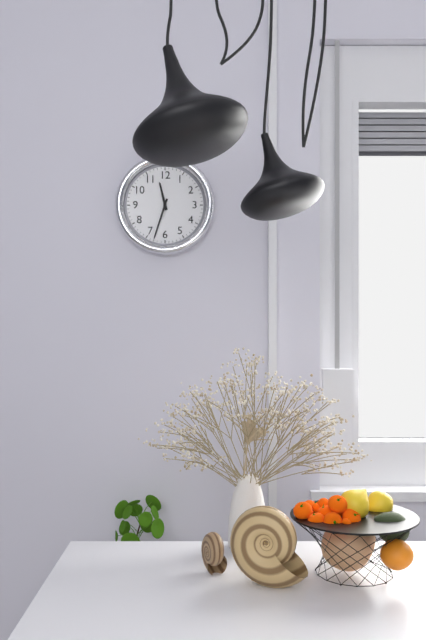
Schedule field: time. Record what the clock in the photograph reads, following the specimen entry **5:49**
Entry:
**11:33**
